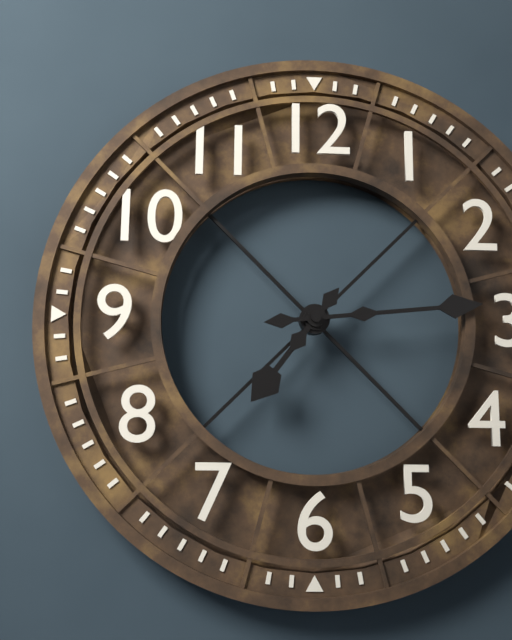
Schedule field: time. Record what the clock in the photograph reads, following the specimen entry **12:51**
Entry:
**7:14**
